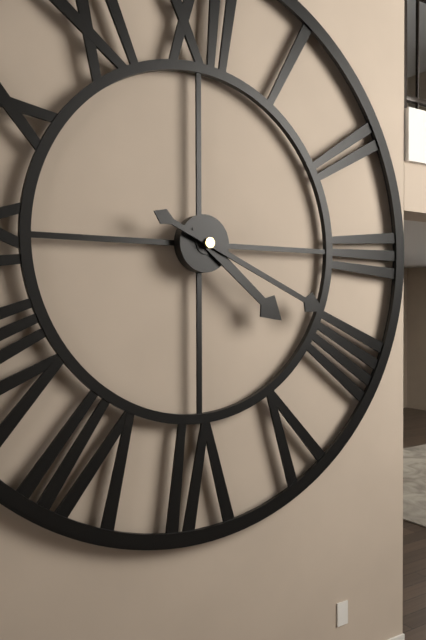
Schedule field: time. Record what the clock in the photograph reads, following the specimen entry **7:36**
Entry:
**4:19**
